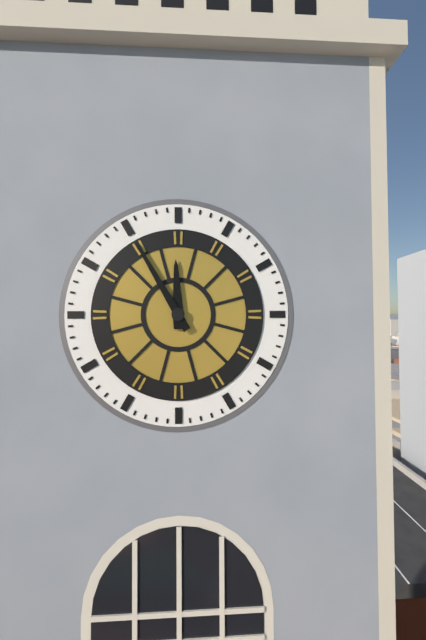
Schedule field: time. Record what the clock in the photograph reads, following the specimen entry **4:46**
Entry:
**11:55**
